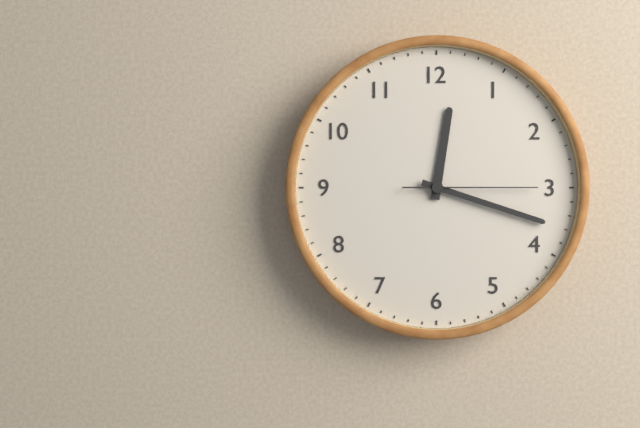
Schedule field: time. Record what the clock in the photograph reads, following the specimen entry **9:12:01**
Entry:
**12:18:15**
